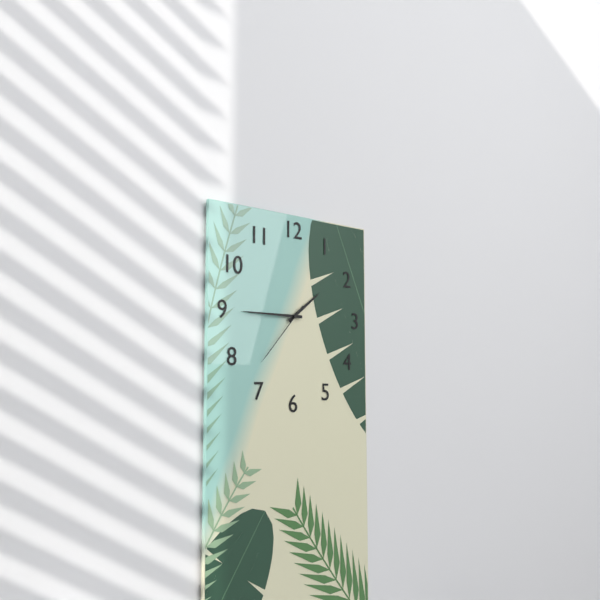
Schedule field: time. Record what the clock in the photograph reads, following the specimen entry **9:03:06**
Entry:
**1:45:37**
